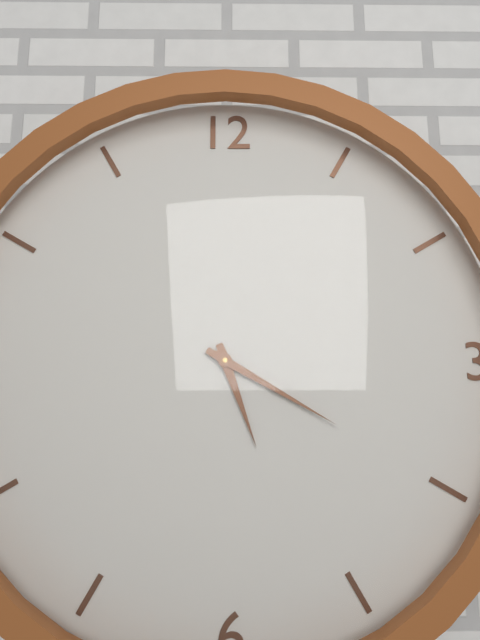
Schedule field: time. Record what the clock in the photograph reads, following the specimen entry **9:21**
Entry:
**5:20**
